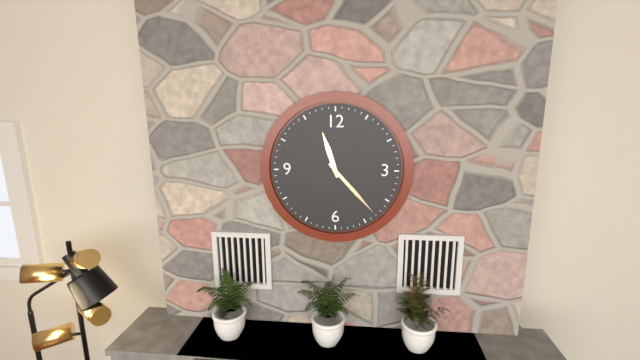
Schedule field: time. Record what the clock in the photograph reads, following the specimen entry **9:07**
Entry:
**11:23**
